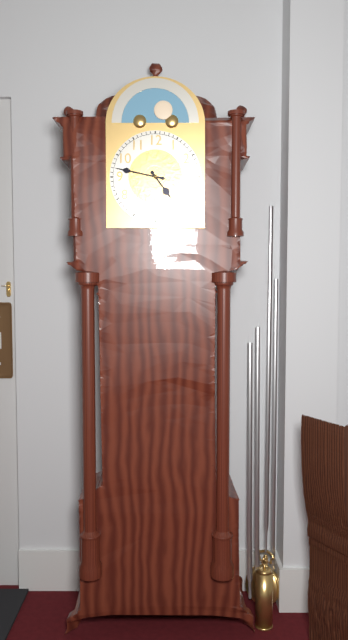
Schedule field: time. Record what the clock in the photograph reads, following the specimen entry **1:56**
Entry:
**4:47**
